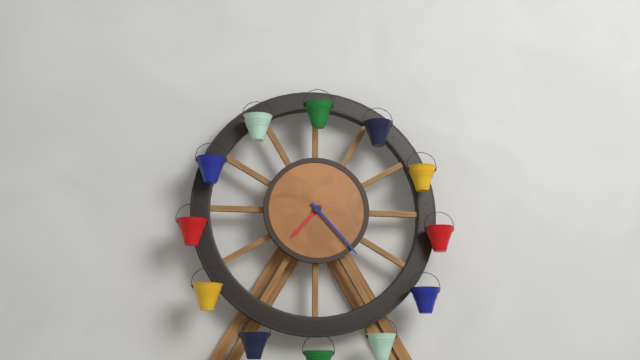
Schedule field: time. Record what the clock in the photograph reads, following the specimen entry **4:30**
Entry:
**7:23**
